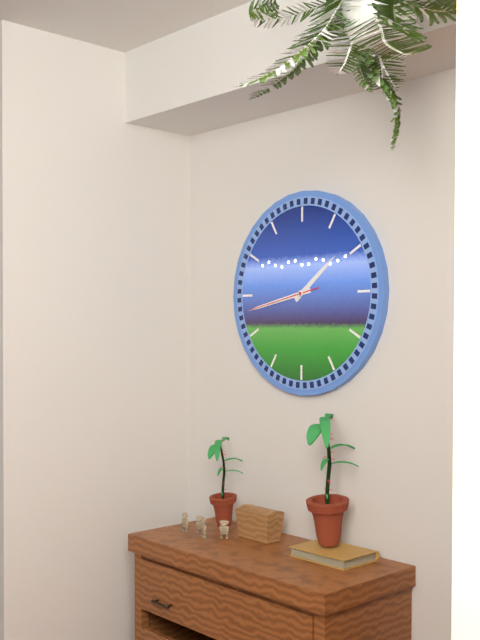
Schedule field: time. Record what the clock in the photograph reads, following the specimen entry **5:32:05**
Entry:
**1:43:43**
